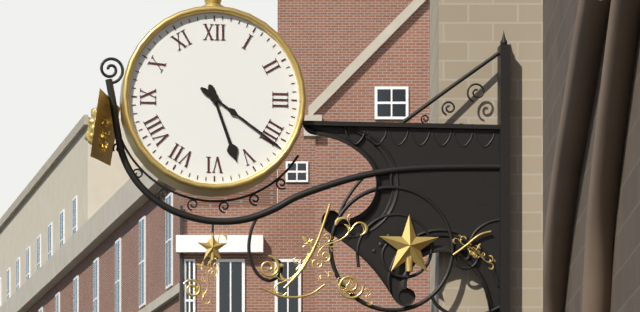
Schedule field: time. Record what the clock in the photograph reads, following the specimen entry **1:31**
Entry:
**5:21**
